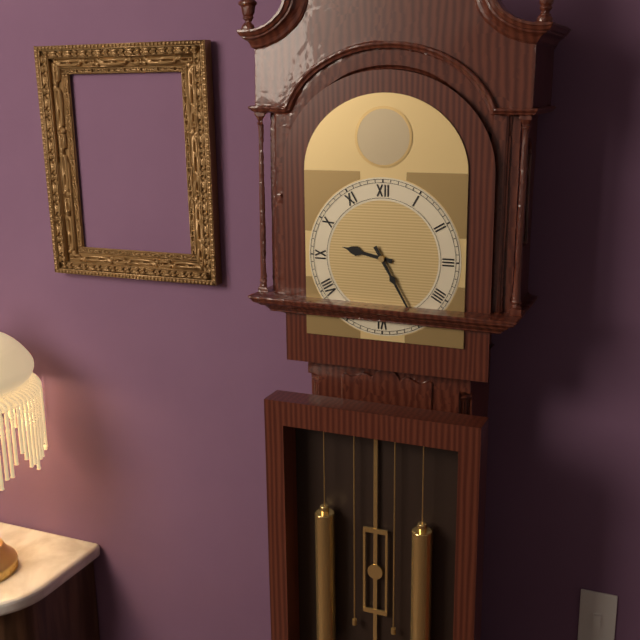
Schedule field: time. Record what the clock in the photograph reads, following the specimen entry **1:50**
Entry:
**9:25**
